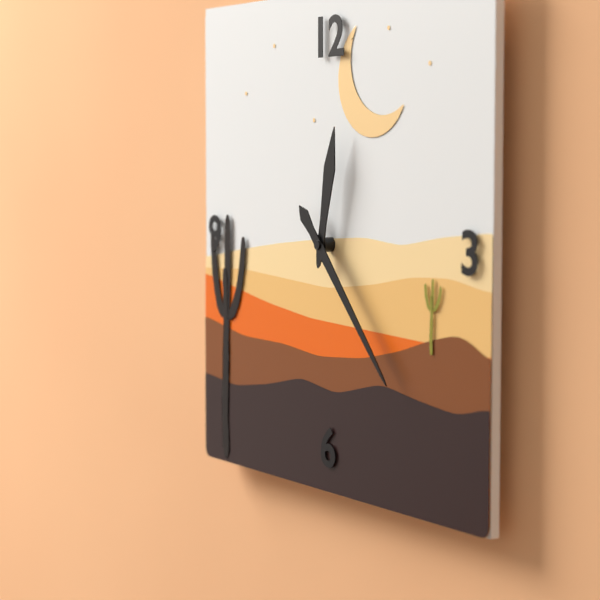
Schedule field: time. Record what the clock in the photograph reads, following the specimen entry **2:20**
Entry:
**12:23**
